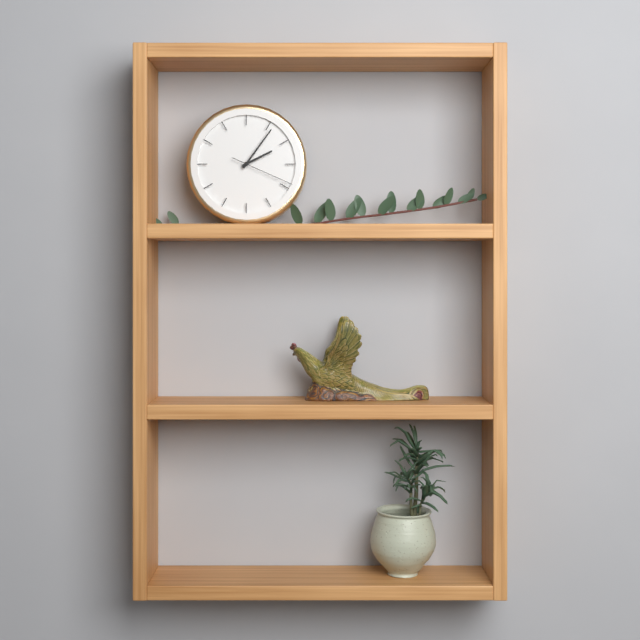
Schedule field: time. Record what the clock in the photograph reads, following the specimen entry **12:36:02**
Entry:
**2:06:19**
